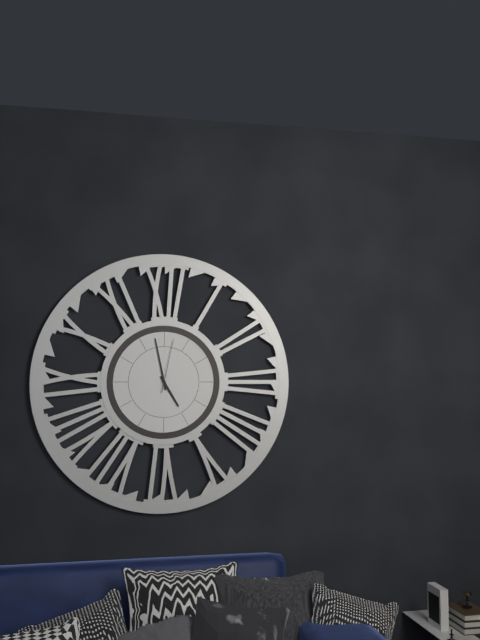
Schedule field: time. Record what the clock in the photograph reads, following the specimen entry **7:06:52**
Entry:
**4:58:02**
